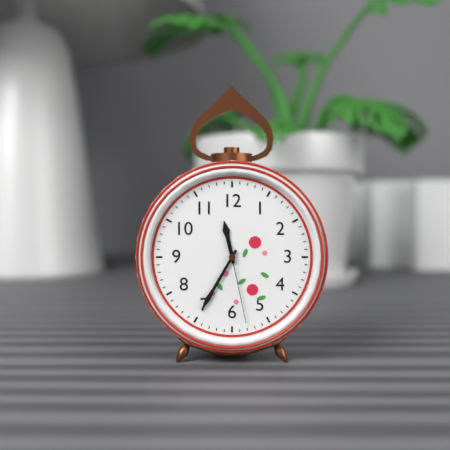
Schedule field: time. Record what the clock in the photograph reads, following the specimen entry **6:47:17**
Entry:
**11:35:28**
